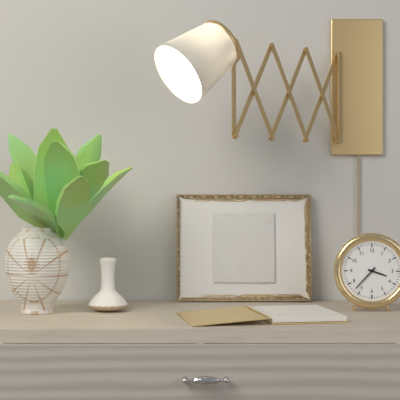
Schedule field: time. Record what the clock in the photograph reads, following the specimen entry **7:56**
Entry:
**3:37**
